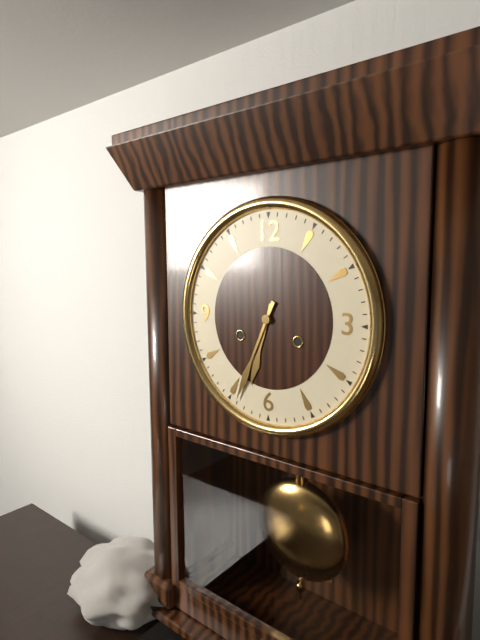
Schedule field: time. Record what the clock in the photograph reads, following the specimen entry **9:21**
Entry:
**6:34**
